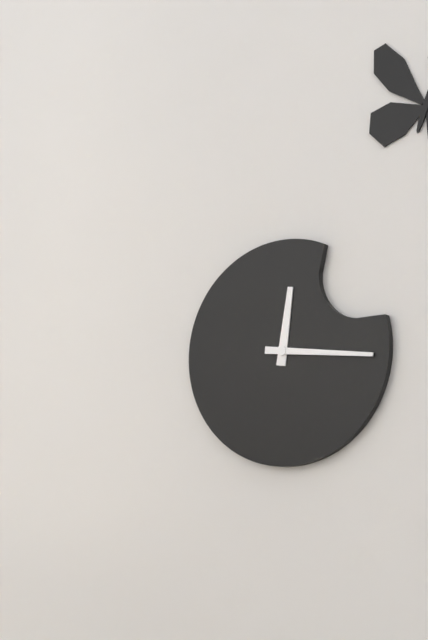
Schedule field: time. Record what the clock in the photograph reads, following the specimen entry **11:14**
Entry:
**12:16**
